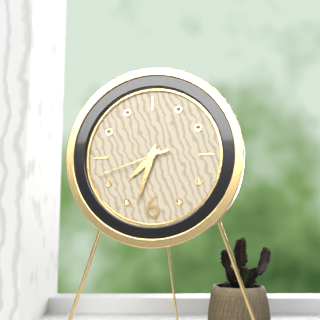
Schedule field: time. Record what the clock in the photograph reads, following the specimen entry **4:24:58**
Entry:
**7:33:42**
